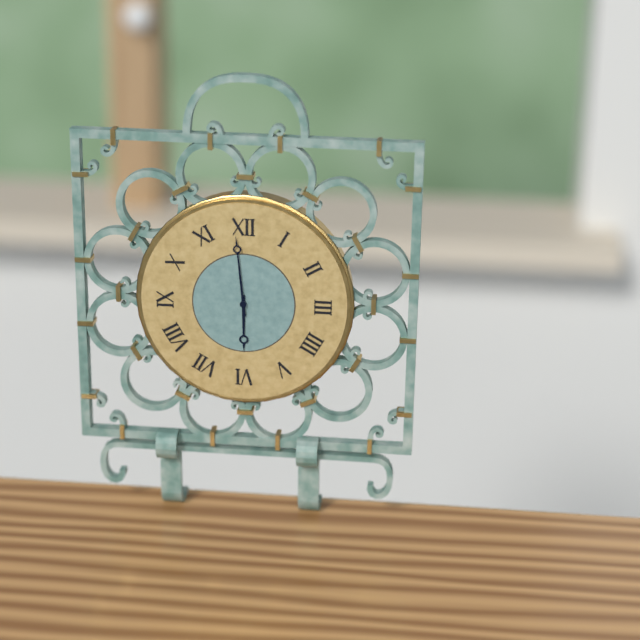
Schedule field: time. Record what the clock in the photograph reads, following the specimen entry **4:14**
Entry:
**5:59**
